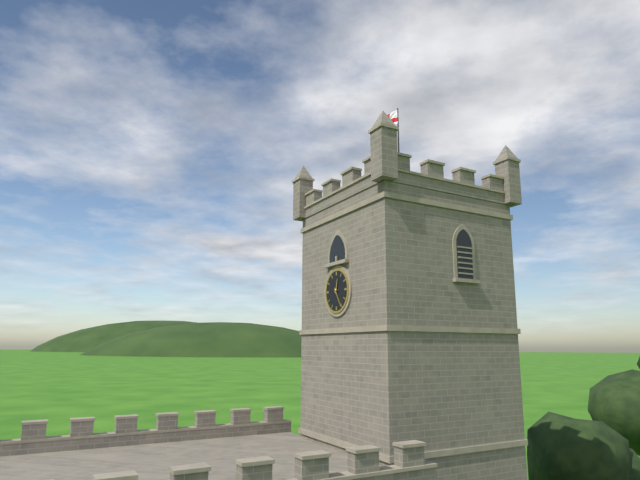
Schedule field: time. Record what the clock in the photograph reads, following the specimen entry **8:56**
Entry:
**12:25**
